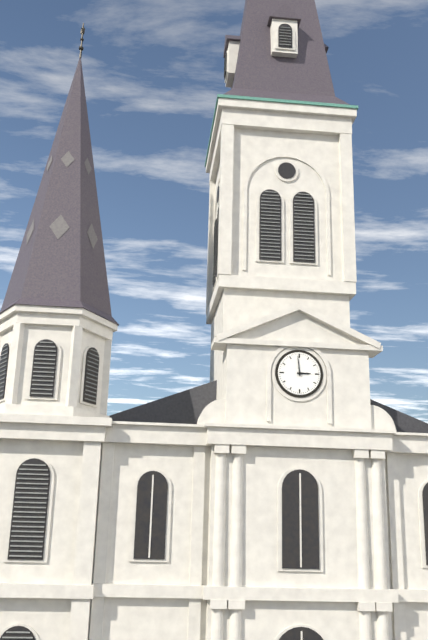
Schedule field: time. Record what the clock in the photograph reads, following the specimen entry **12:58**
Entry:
**2:59**
